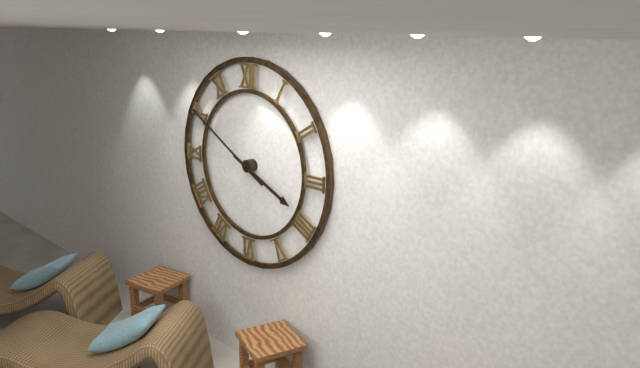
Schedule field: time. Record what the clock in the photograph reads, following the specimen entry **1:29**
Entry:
**3:50**
